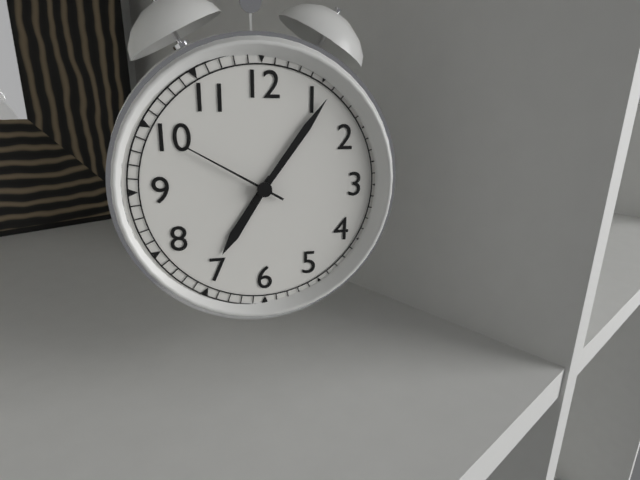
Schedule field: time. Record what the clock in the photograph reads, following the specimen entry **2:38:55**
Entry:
**7:06:50**
